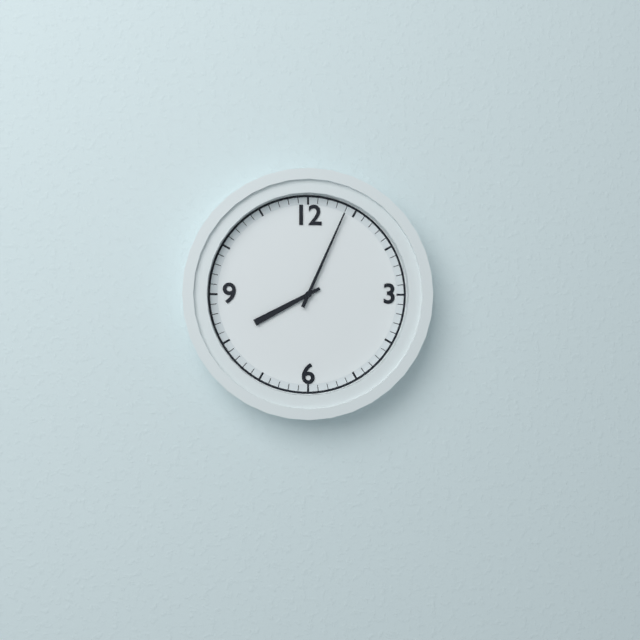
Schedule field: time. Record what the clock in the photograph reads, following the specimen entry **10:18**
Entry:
**8:04**
